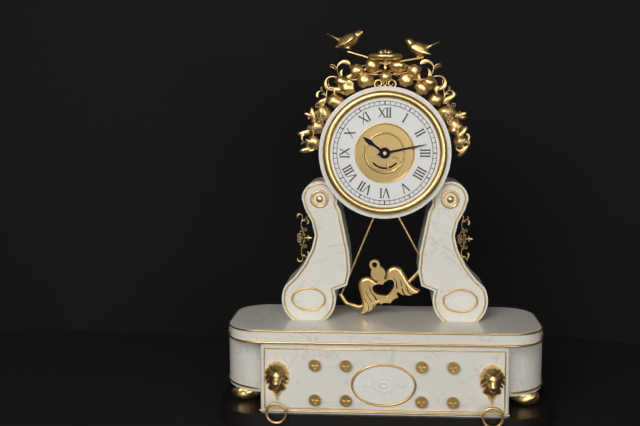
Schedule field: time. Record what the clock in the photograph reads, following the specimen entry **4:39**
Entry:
**10:13**
